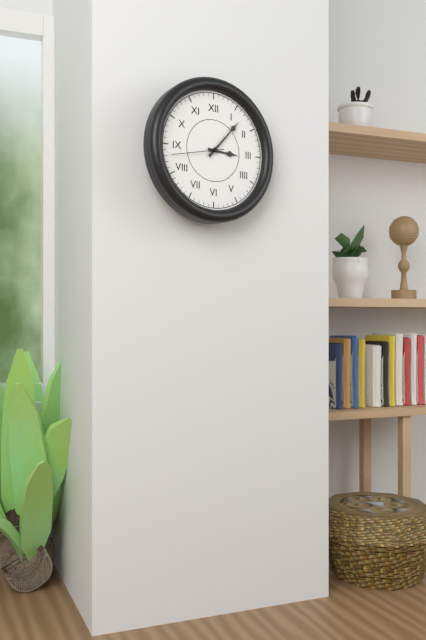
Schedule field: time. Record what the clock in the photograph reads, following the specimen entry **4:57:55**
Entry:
**3:07:43**
